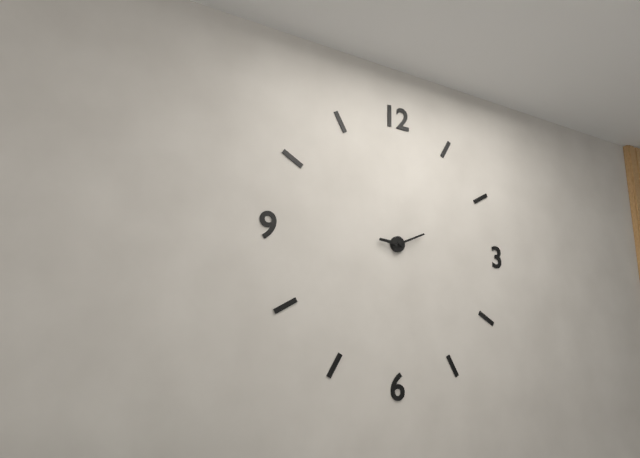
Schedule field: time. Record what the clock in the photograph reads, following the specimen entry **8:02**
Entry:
**9:11**
